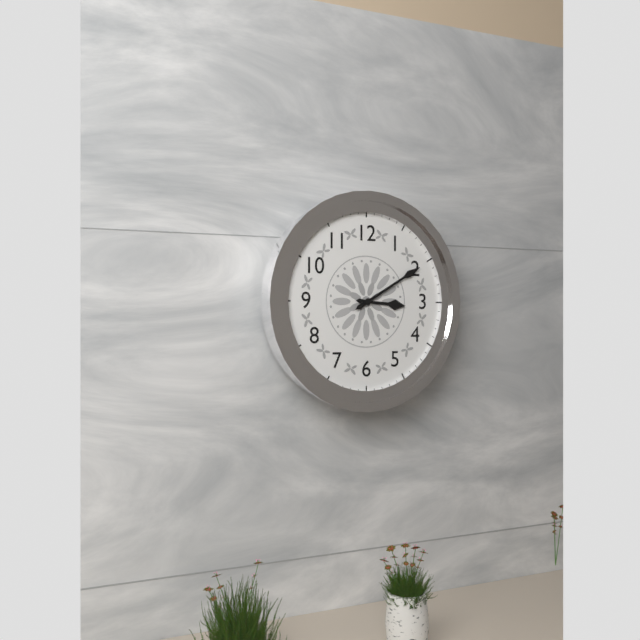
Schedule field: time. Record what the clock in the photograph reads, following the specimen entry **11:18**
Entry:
**3:10**
